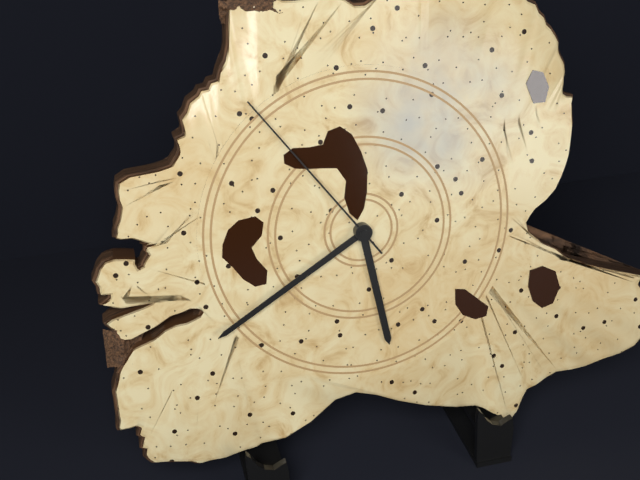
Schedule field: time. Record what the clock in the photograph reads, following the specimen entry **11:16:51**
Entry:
**5:40:54**
